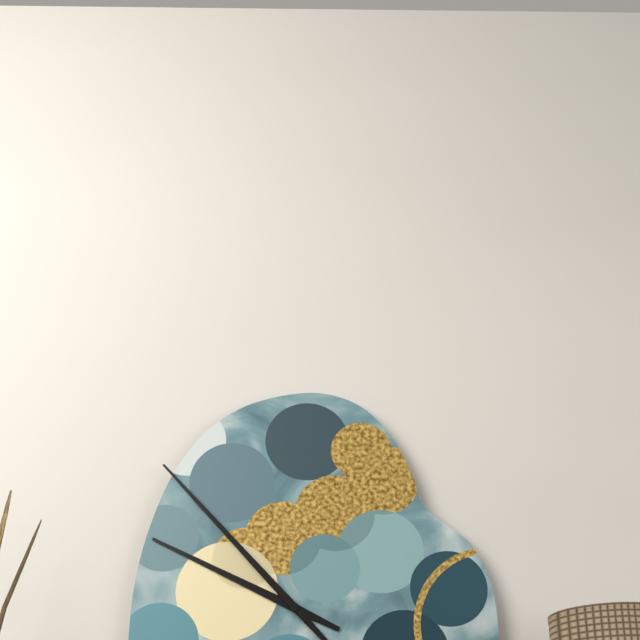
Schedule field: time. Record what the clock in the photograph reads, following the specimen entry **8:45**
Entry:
**9:53**
